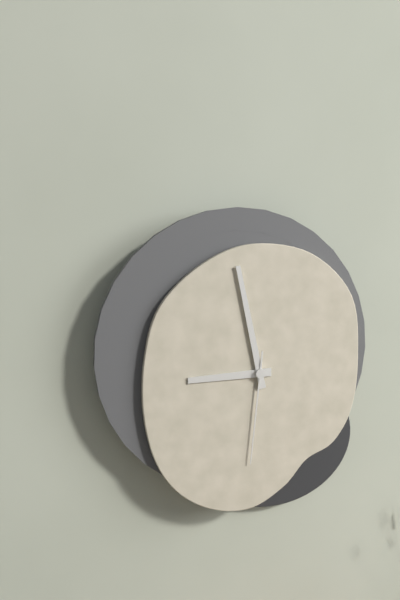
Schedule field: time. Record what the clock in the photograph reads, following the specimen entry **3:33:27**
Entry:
**8:58:31**
